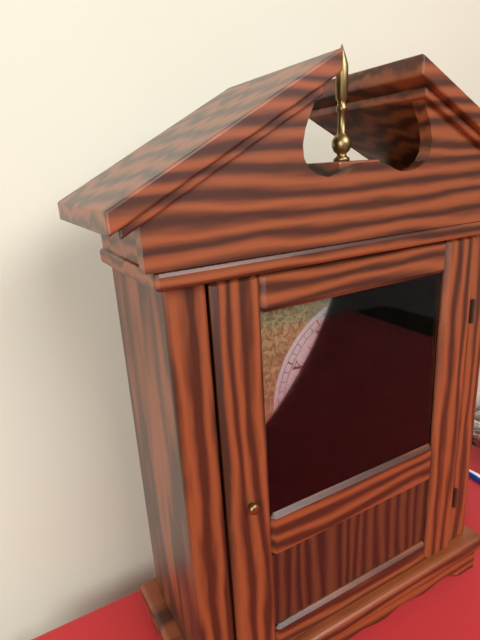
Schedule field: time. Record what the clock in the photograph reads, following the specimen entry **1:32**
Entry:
**5:20**
